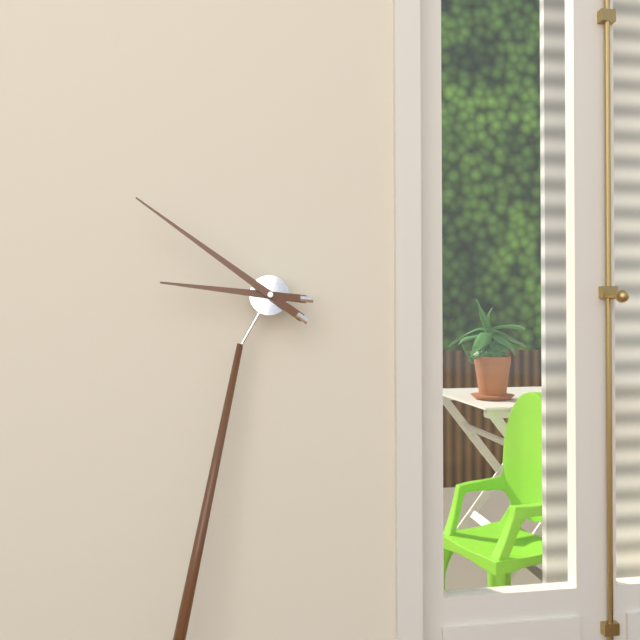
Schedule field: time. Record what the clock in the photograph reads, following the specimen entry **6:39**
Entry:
**8:49**
